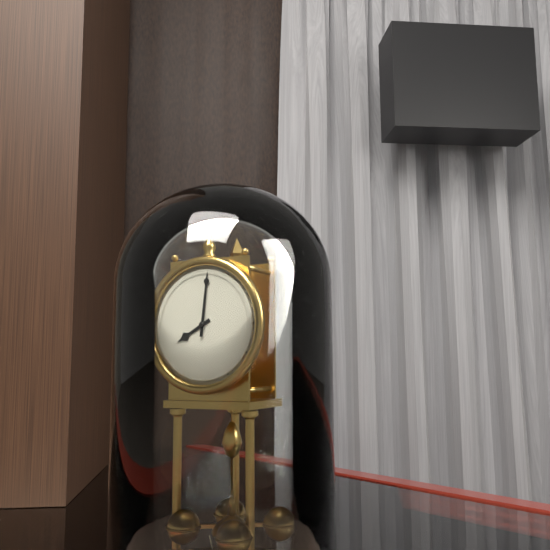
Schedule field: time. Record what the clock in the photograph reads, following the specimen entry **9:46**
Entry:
**8:01**
